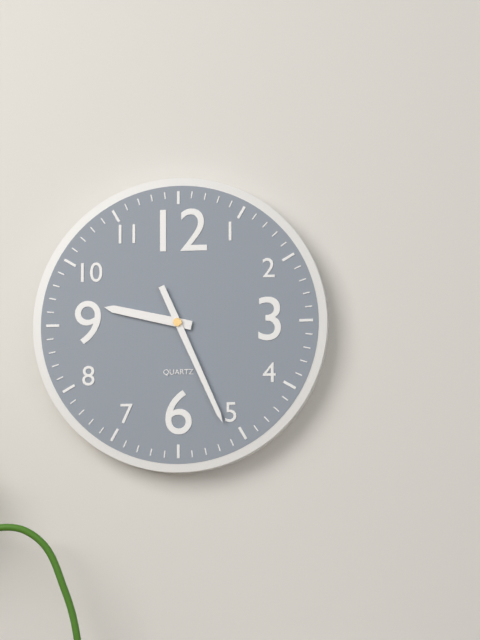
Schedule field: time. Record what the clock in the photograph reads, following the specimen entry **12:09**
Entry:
**9:26**
